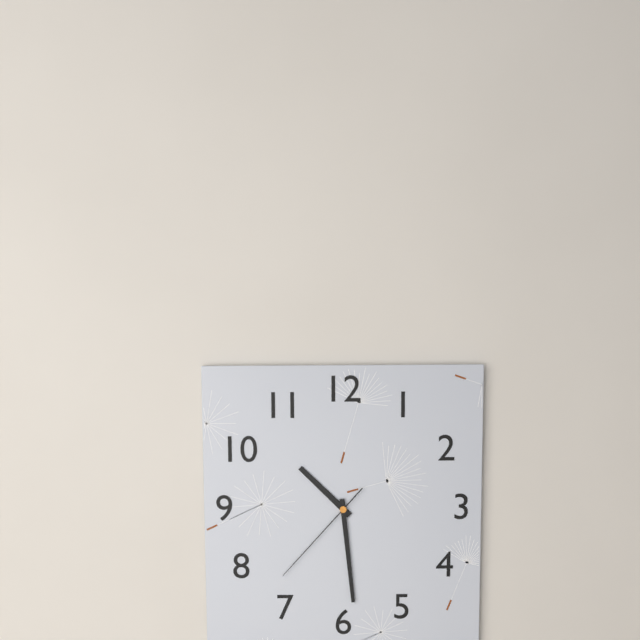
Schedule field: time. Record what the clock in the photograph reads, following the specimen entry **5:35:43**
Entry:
**10:29:37**
